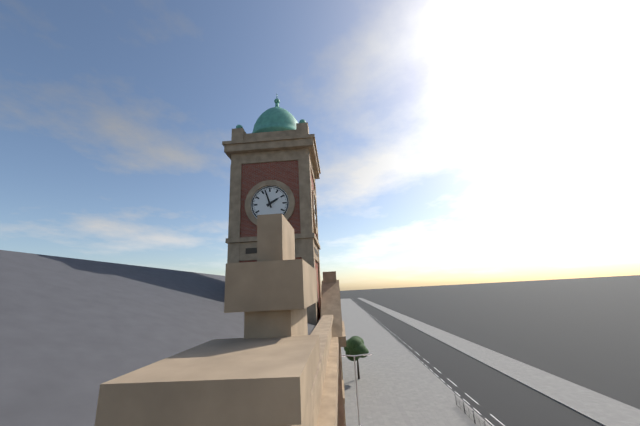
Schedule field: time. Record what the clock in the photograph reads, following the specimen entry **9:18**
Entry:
**1:57**
